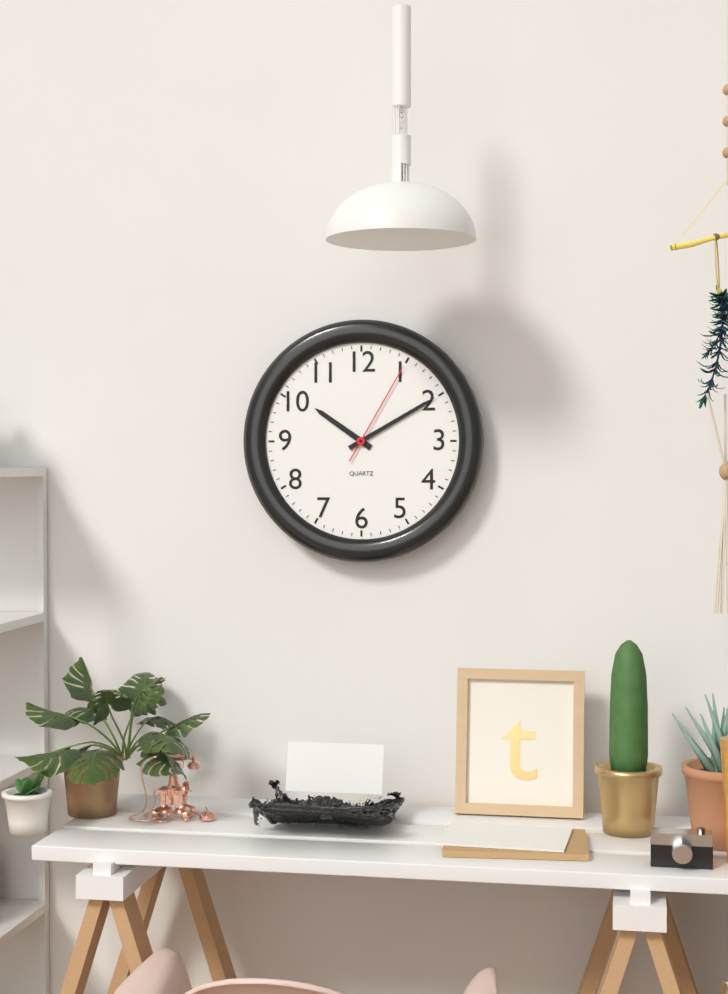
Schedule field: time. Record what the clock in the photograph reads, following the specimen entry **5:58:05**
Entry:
**10:10:05**
